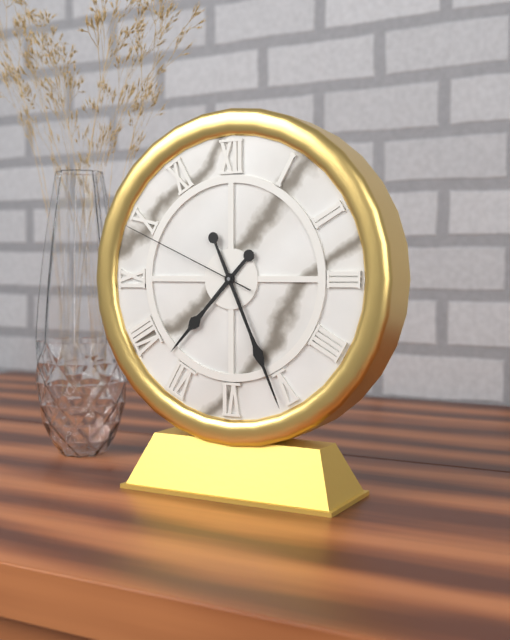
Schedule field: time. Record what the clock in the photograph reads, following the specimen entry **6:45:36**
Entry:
**7:26:49**
